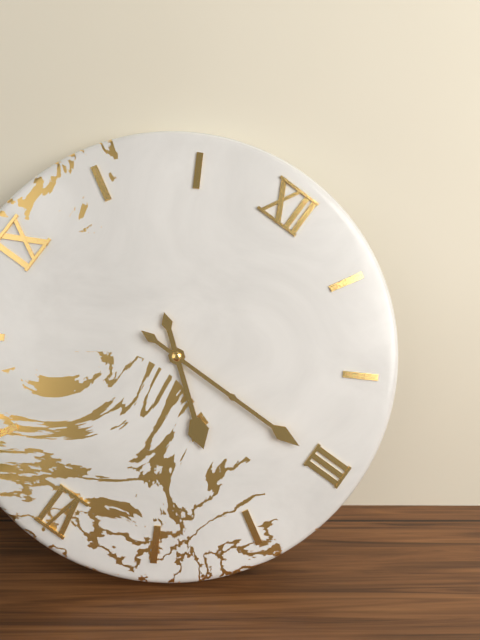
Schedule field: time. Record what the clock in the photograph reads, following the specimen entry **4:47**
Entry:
**4:15**
